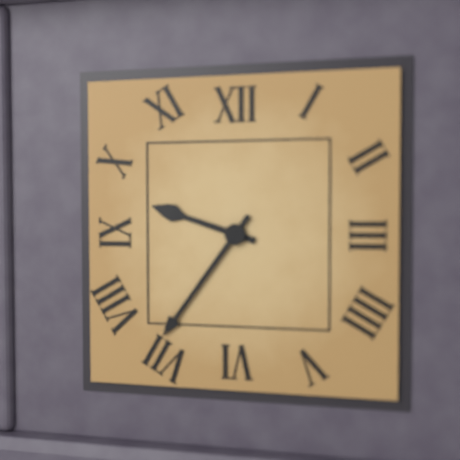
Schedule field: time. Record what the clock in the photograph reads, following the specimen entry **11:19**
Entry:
**9:36**
